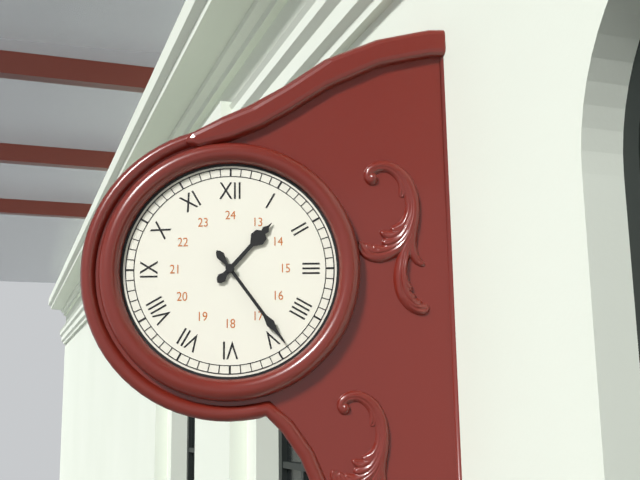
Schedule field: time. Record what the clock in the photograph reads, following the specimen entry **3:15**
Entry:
**1:24**
